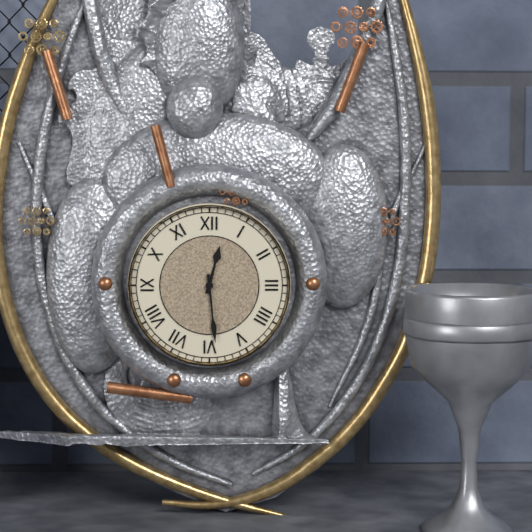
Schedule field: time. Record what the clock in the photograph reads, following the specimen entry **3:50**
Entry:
**12:29**
